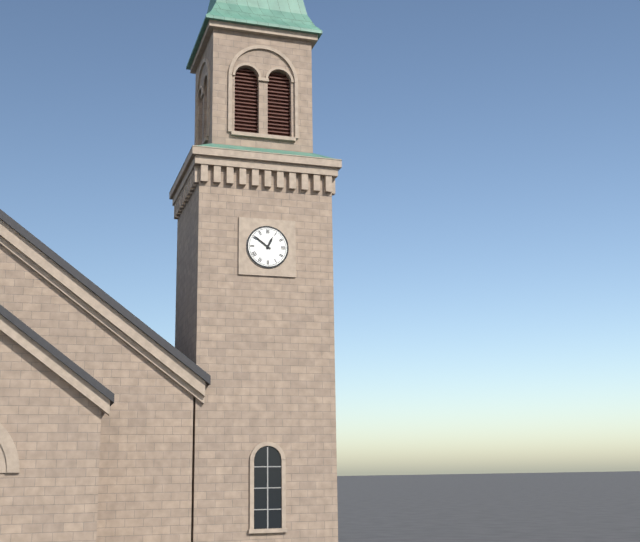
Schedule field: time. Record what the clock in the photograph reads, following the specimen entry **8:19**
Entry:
**12:51**
